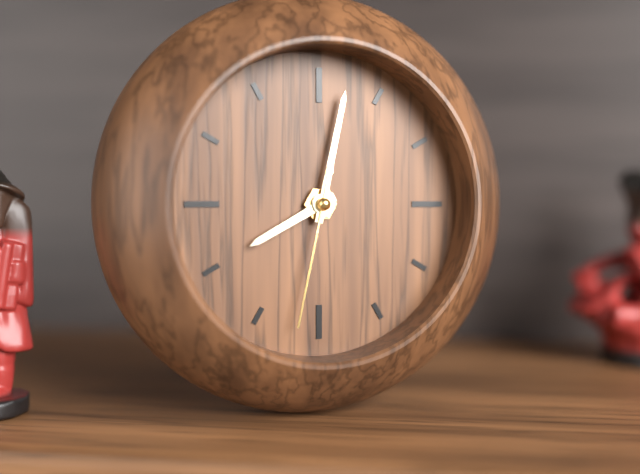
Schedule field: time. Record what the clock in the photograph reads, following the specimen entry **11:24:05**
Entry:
**8:02:32**
